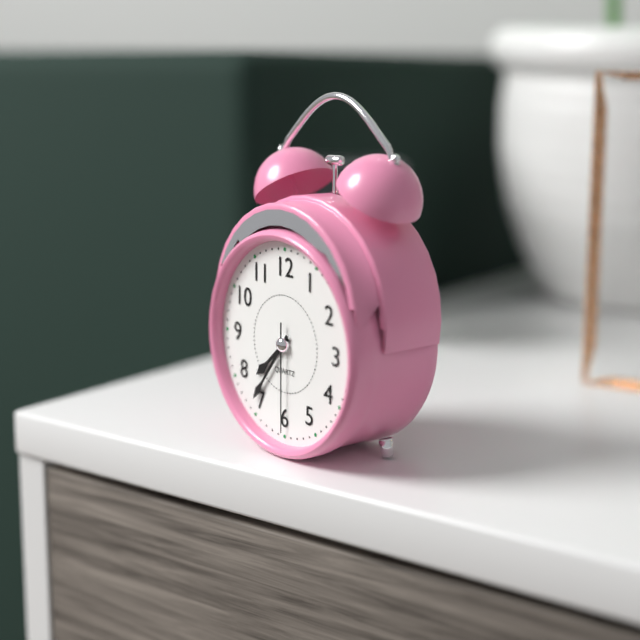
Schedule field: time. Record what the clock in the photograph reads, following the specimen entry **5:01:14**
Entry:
**7:36:30**
